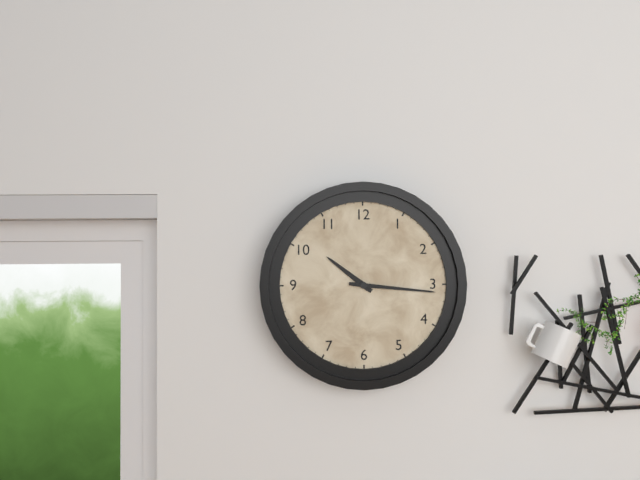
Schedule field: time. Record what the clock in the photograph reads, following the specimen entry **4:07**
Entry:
**10:16**
